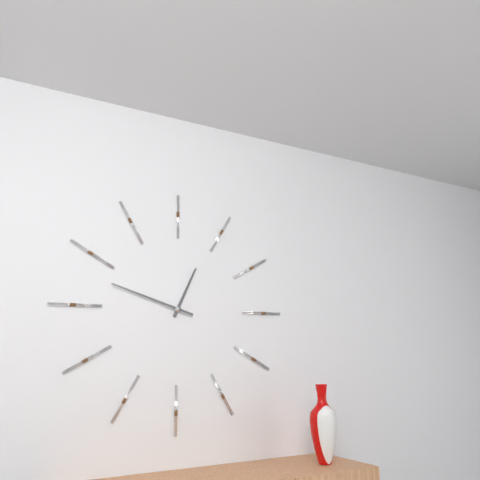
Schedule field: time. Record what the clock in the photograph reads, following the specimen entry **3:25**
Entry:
**12:48**
